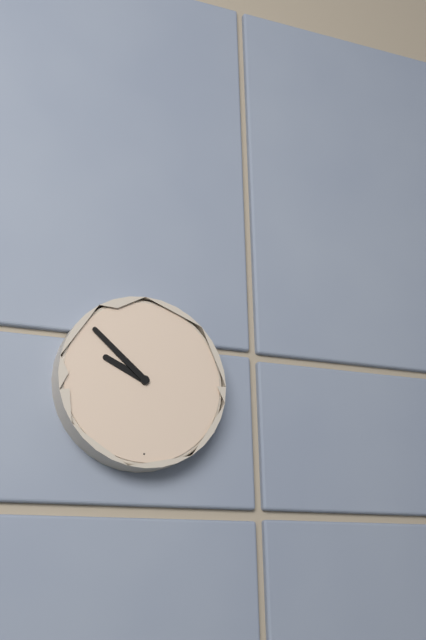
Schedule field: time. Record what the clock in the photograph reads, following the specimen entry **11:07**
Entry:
**9:52**
